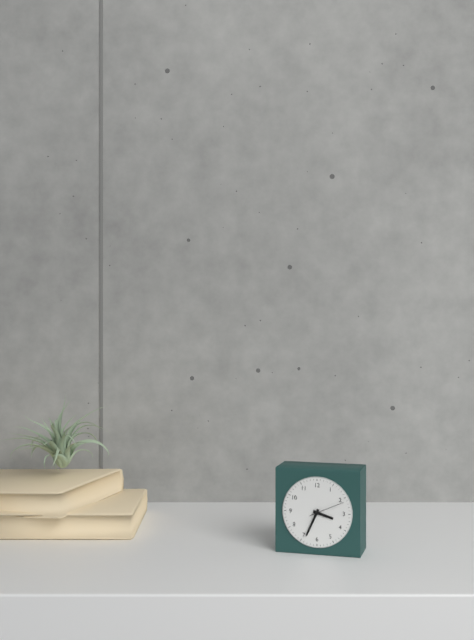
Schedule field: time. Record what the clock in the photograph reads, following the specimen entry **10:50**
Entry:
**3:34**
